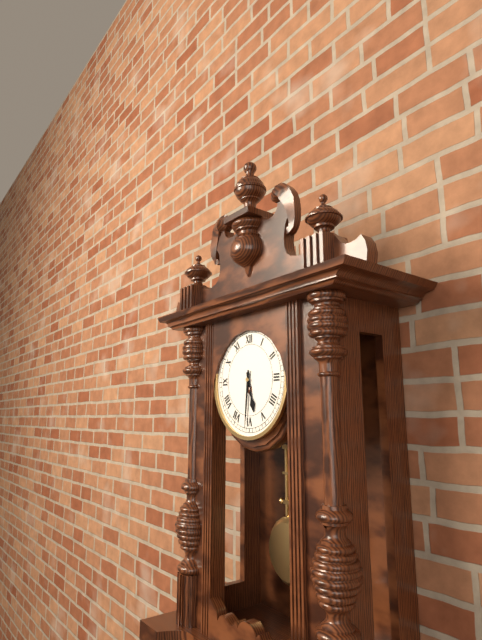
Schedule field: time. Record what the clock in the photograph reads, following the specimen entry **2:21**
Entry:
**5:31**
